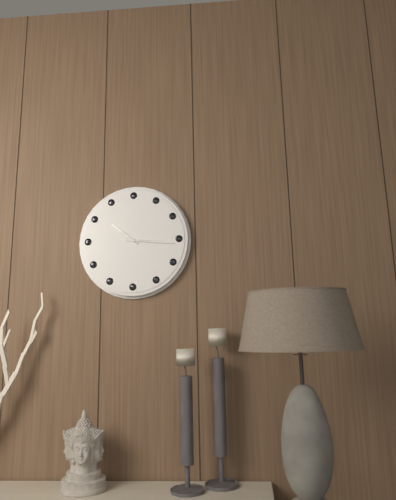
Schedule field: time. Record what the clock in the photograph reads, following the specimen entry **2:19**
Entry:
**10:16**
